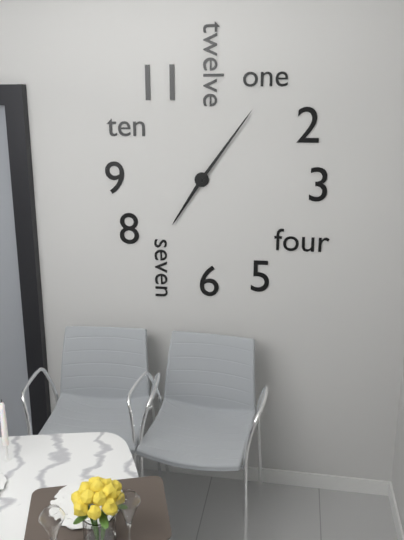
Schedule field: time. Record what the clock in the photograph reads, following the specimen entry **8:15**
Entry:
**7:06**
